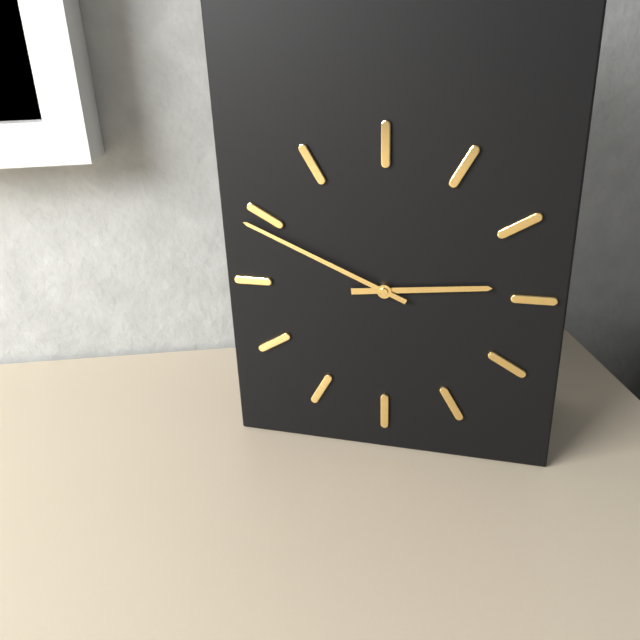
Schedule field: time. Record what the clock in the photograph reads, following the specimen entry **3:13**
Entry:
**2:49**
